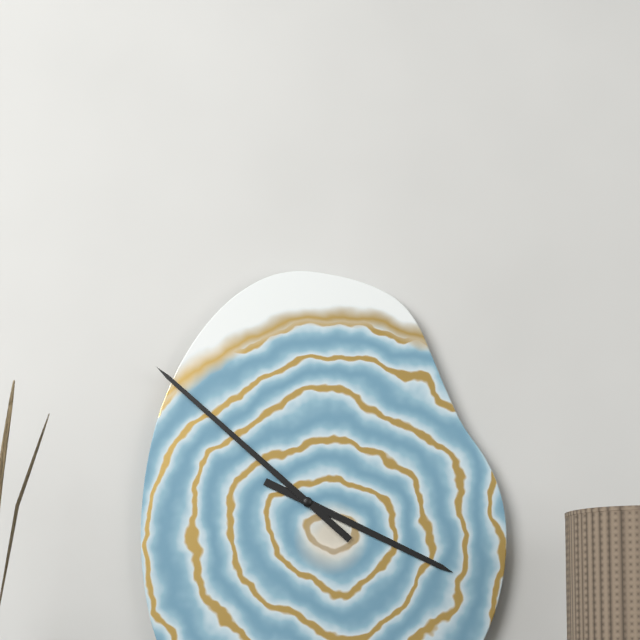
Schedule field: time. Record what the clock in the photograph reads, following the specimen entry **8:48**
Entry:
**3:52**
